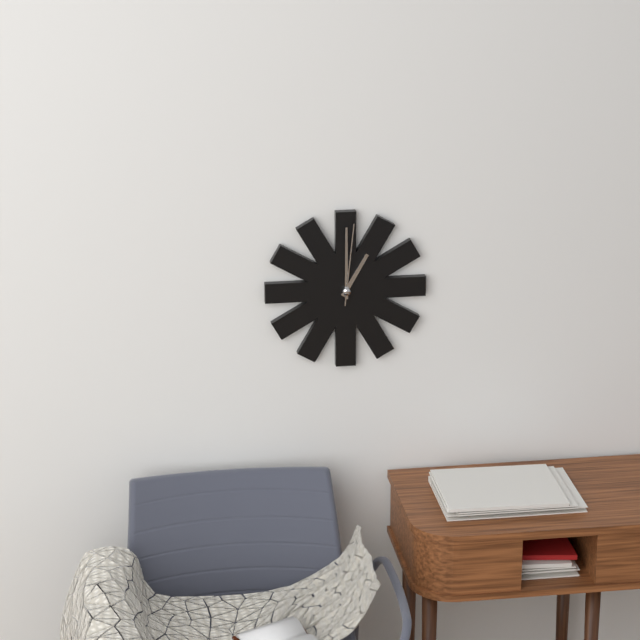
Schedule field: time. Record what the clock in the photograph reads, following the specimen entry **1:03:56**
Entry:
**1:00:01**
